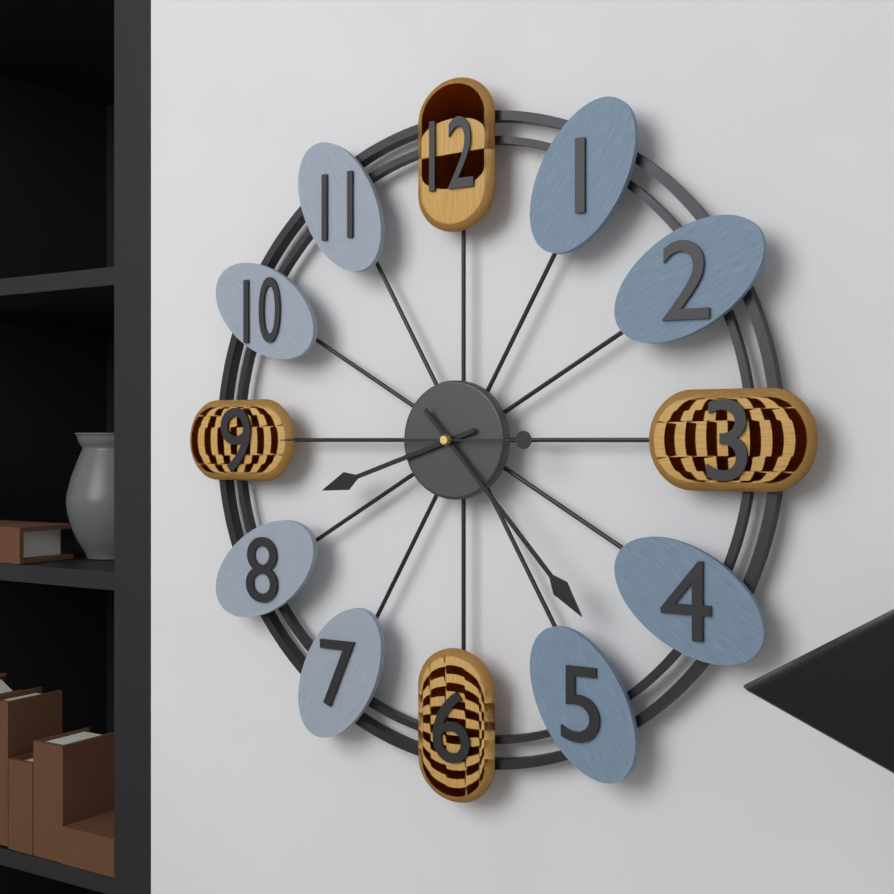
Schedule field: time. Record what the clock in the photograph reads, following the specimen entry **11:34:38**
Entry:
**8:23:45**
